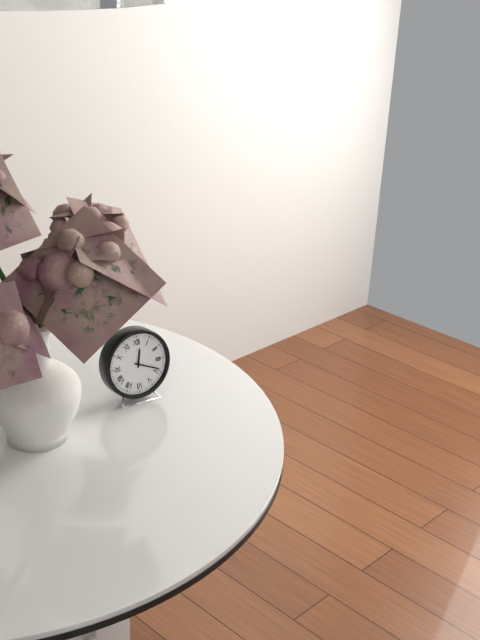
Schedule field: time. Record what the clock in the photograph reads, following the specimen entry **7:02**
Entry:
**12:19**
